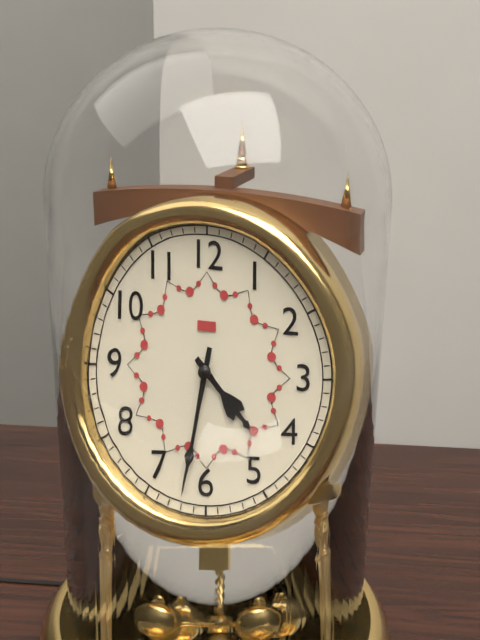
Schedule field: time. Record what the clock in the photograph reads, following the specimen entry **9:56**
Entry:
**4:32**
